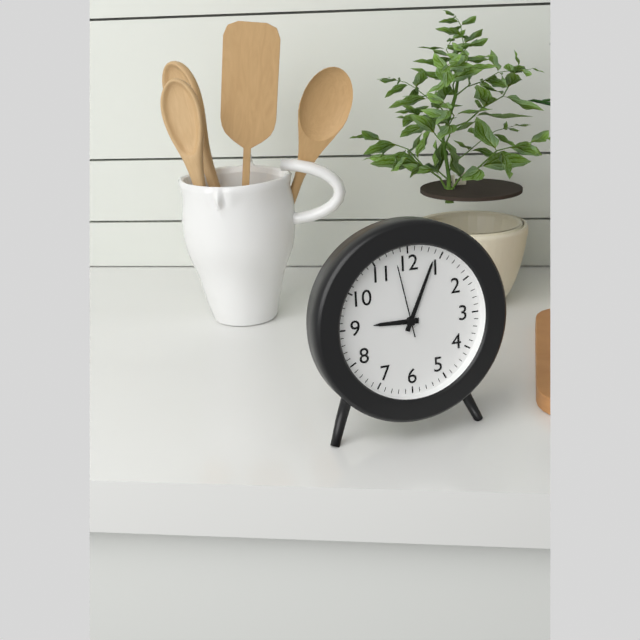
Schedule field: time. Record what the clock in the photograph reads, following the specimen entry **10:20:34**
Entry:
**9:04:58**
